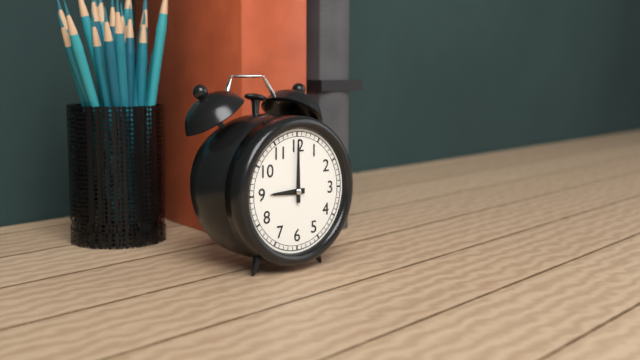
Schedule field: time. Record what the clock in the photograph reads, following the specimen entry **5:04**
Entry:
**9:00**
